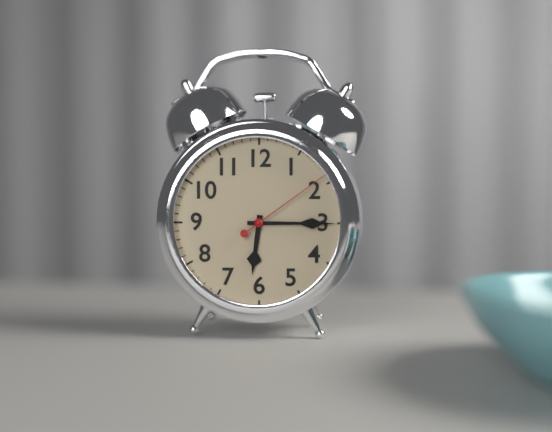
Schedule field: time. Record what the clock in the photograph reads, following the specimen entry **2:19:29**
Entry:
**6:15:09**
